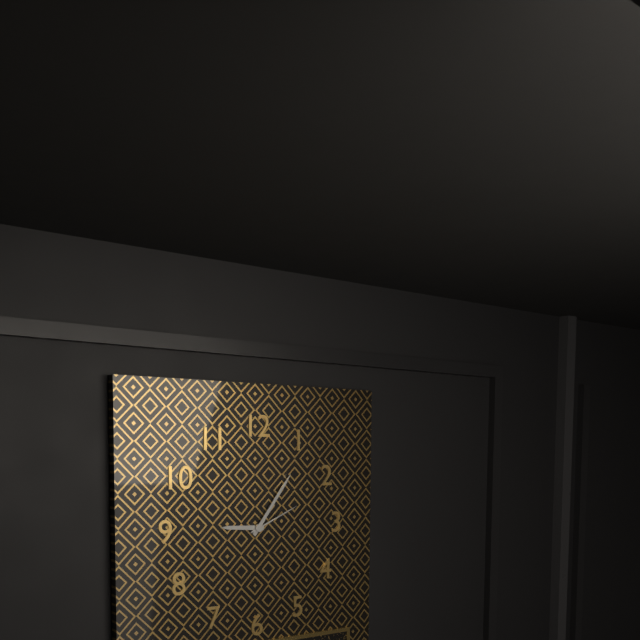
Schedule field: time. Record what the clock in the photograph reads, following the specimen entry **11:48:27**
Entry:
**9:06:11**
